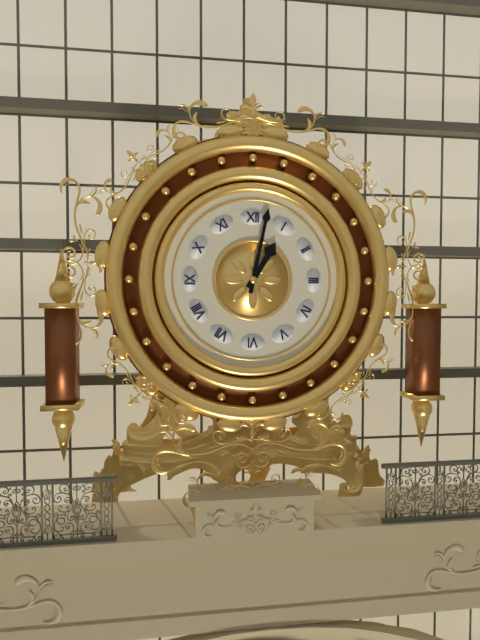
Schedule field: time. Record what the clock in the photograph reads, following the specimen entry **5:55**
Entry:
**1:02**
